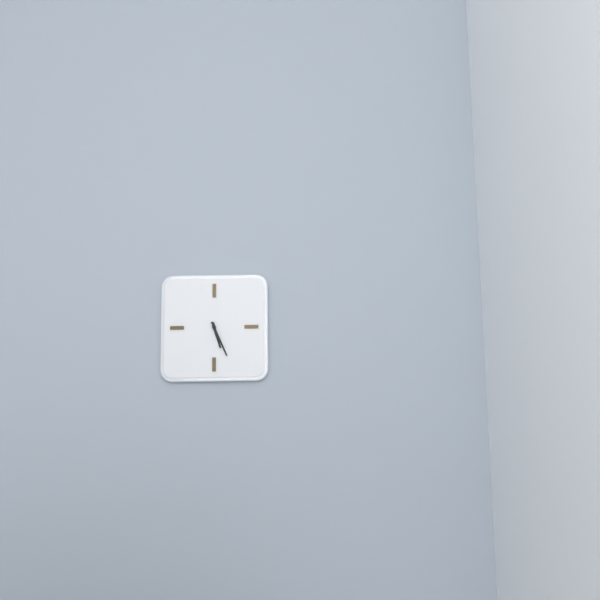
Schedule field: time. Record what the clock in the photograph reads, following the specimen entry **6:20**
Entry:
**5:26**
